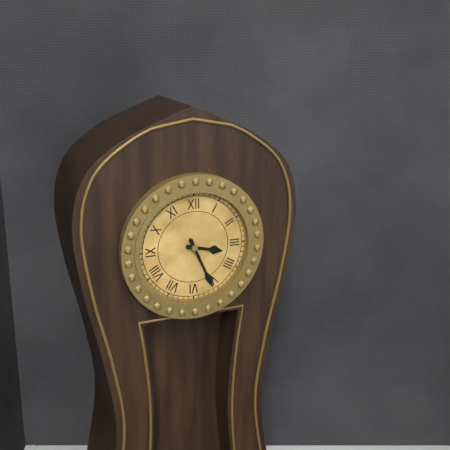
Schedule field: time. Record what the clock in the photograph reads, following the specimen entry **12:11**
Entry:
**3:26**
